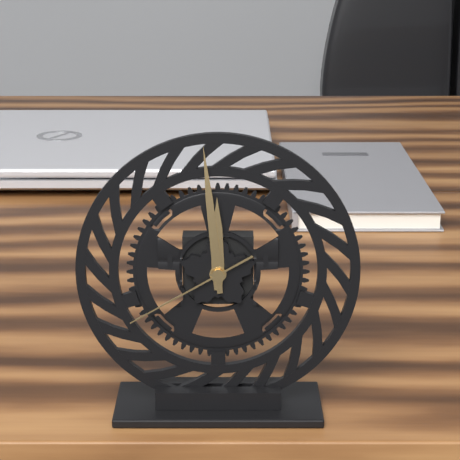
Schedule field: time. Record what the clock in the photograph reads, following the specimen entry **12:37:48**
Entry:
**11:59:40**
